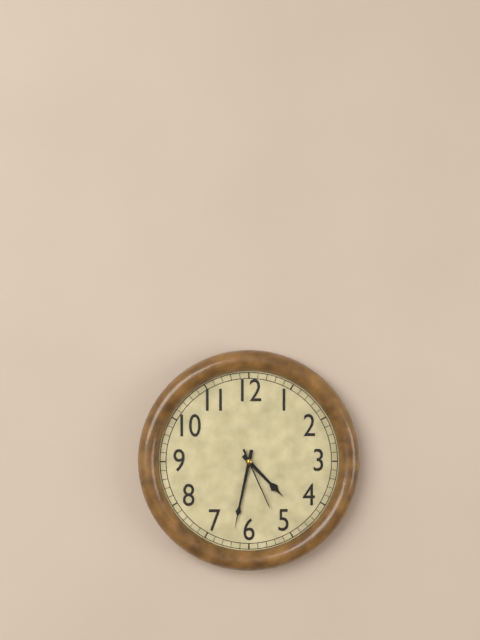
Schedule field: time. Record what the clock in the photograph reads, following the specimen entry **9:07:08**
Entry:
**4:32:26**
